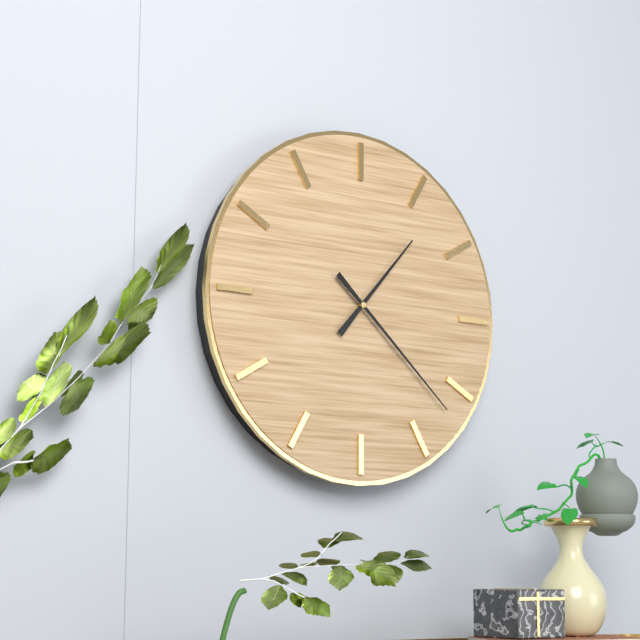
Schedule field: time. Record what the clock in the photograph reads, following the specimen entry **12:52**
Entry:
**1:22**
